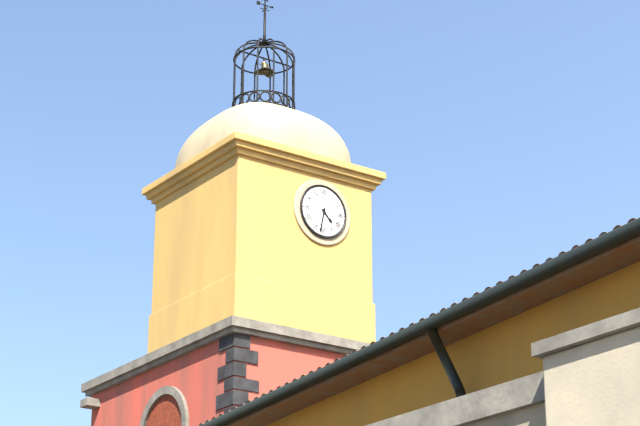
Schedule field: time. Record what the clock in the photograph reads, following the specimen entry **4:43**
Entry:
**4:32**
